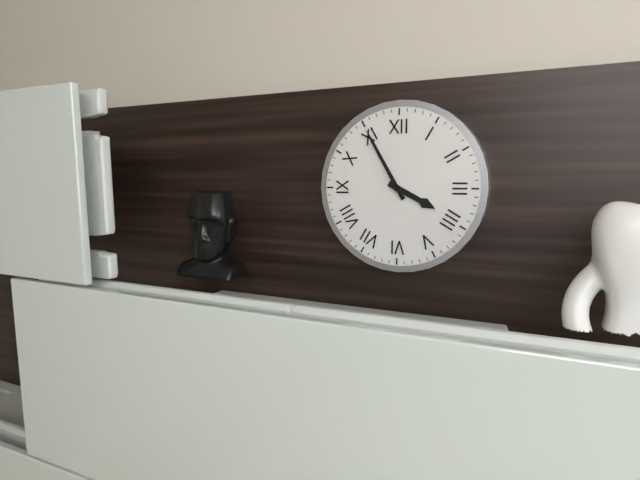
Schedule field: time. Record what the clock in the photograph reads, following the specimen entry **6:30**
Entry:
**3:55**
